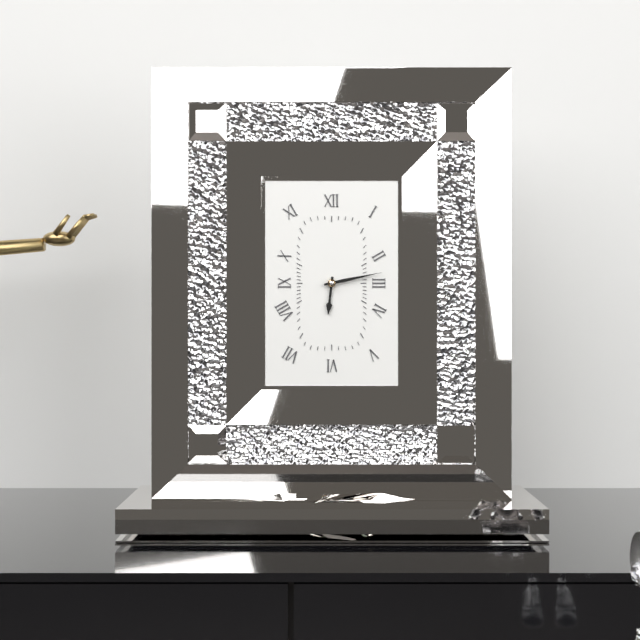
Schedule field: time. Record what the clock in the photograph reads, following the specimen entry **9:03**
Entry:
**6:13**
